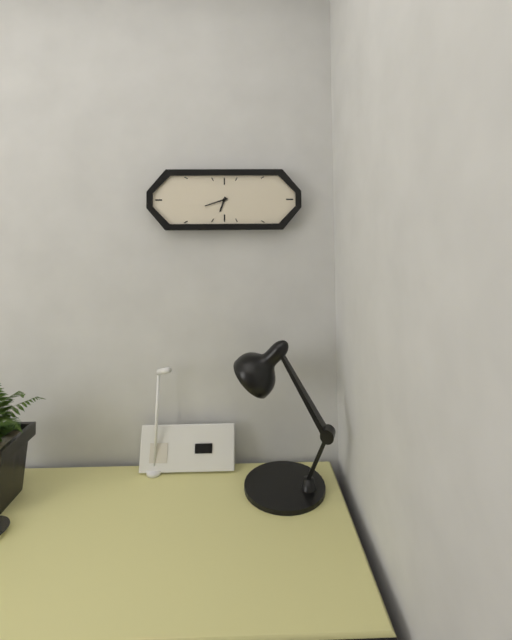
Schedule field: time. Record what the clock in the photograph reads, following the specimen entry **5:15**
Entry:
**6:42**
